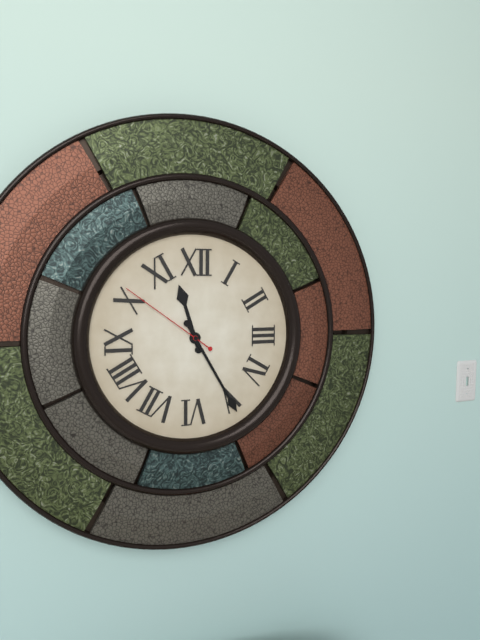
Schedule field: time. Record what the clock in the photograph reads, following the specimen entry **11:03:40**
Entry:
**11:25:51**
